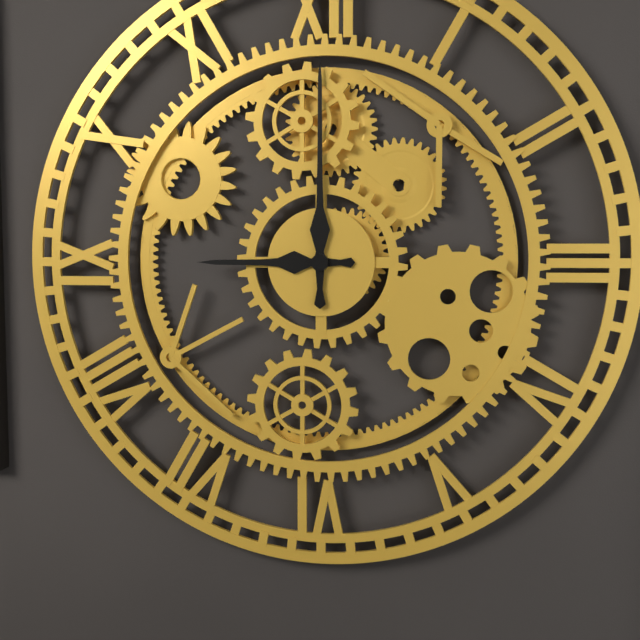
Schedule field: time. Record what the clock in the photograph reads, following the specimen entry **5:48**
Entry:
**9:00**
